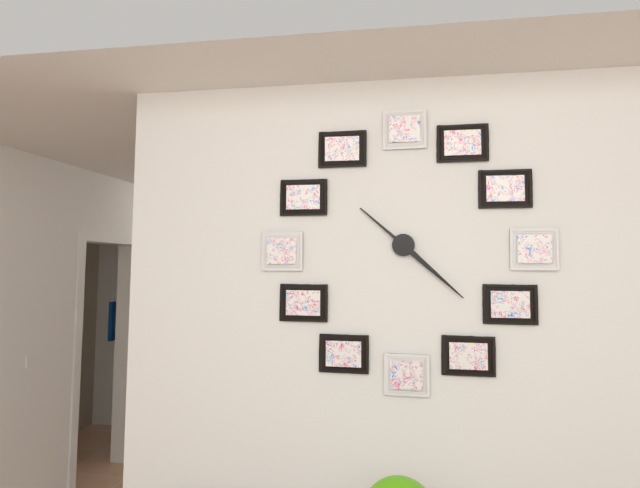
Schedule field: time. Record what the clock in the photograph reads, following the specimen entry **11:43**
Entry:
**10:22**
